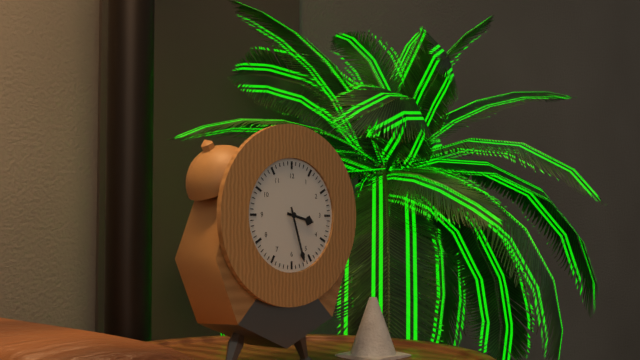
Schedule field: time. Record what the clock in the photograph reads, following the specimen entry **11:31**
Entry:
**3:27**
